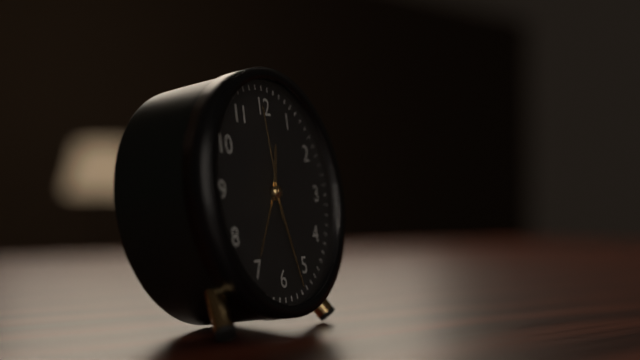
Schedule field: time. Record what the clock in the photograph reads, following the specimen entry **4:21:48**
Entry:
**12:27:59**
